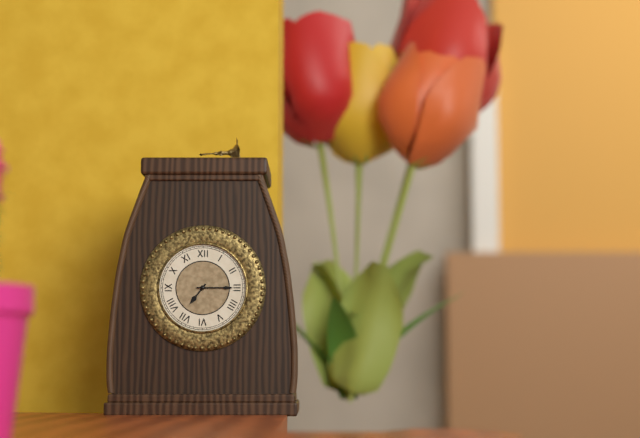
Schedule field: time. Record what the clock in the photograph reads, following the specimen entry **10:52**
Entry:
**7:15**
